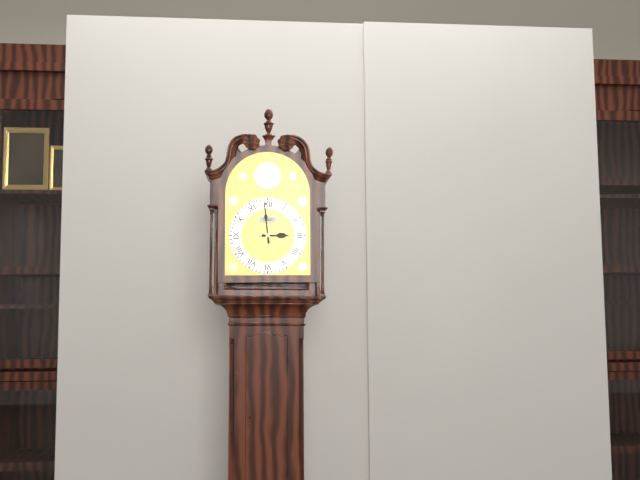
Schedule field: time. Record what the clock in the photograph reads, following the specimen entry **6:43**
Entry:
**2:59**
